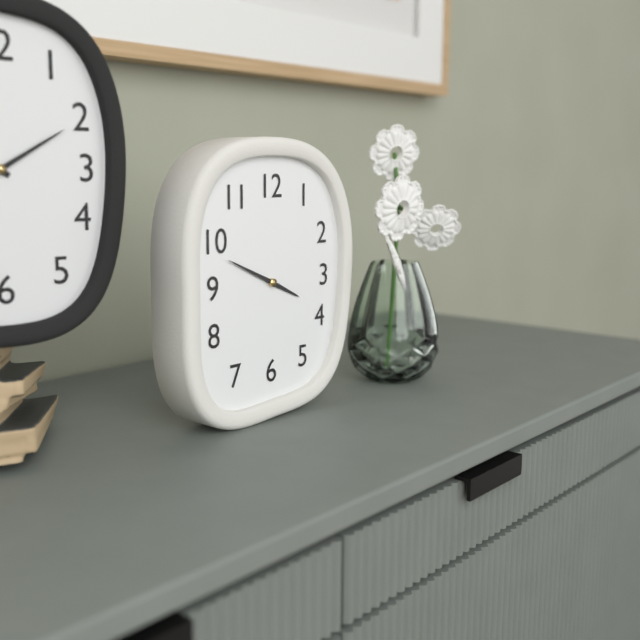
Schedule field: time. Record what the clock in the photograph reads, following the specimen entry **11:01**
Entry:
**3:49**
